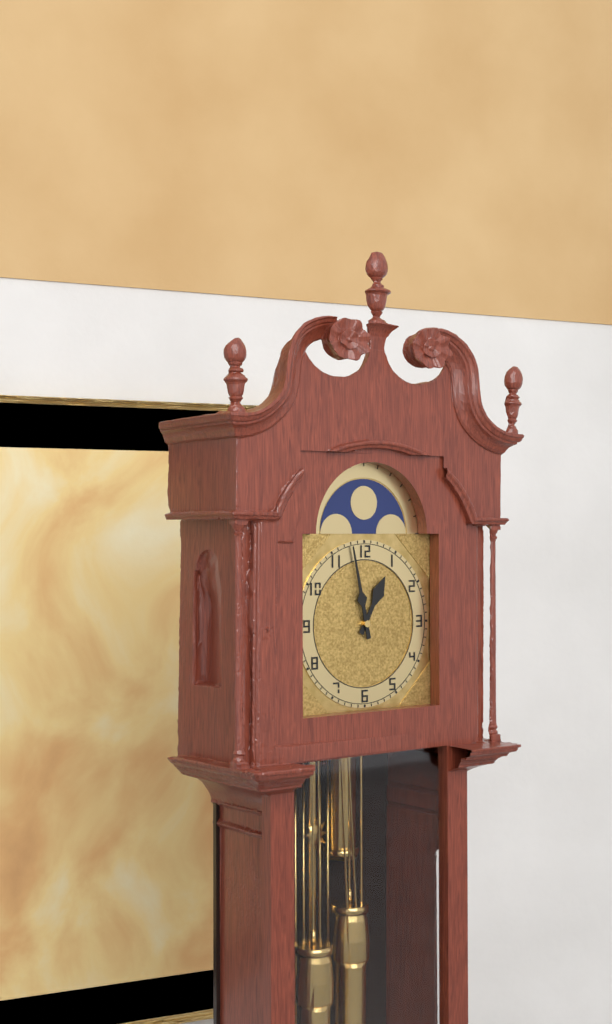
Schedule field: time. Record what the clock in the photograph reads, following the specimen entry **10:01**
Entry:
**12:58**
